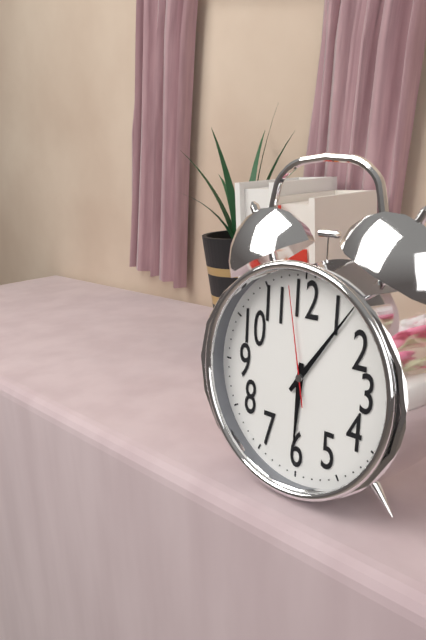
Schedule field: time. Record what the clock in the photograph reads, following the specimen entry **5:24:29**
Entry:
**6:06:58**
